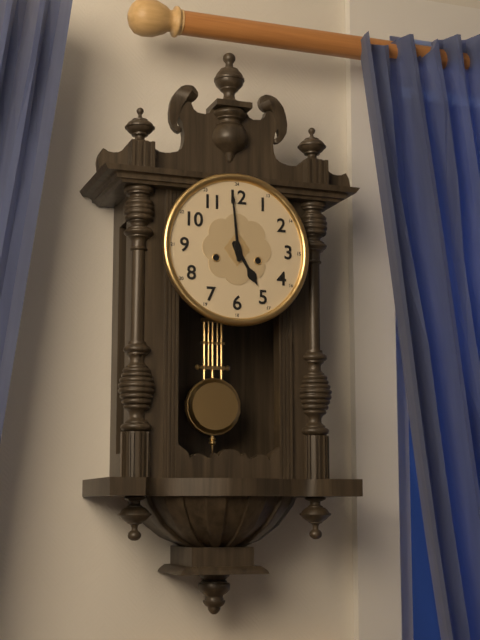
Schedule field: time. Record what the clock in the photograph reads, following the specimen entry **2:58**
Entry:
**4:59**
